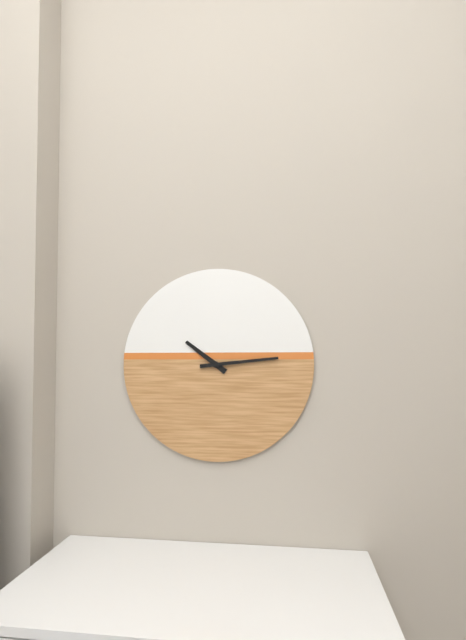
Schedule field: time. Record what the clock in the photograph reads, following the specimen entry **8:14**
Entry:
**10:14**
